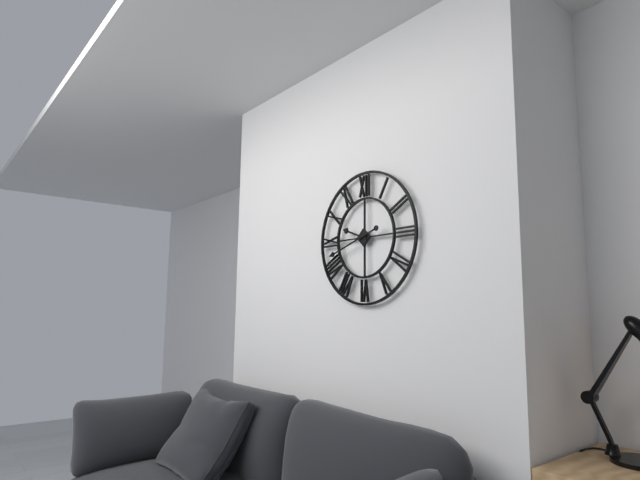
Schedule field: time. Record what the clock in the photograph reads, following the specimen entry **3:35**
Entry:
**9:42**
